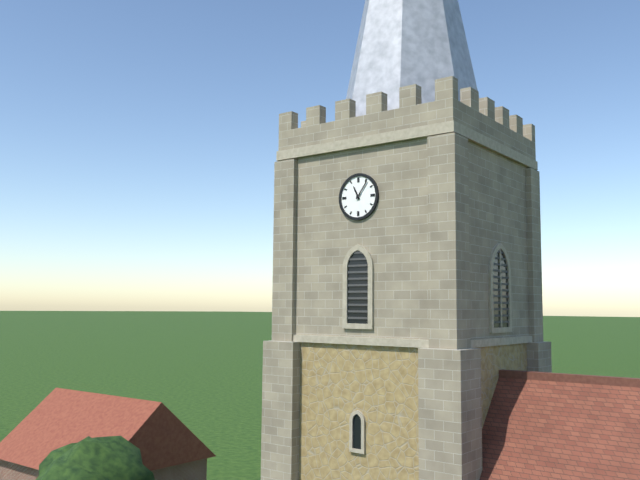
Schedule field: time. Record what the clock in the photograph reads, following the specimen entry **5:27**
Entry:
**11:06**
